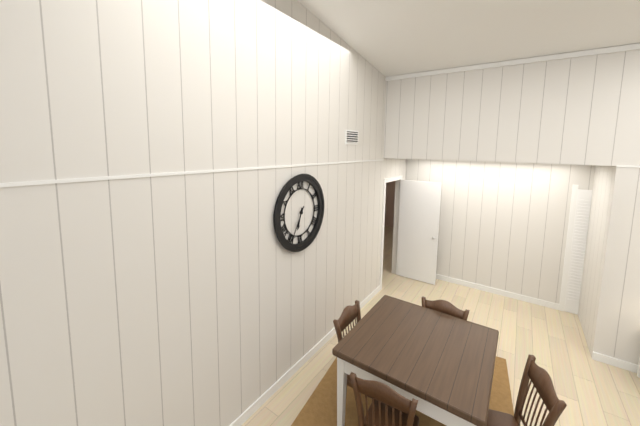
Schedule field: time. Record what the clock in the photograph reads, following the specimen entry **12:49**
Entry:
**6:35**
